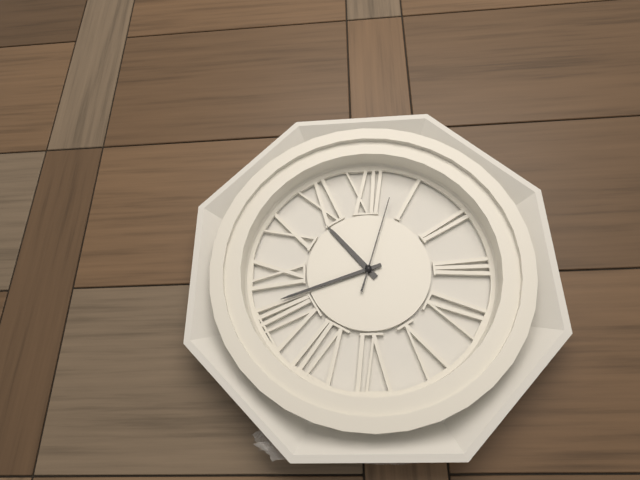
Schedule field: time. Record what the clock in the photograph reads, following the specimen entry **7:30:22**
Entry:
**10:42:03**
